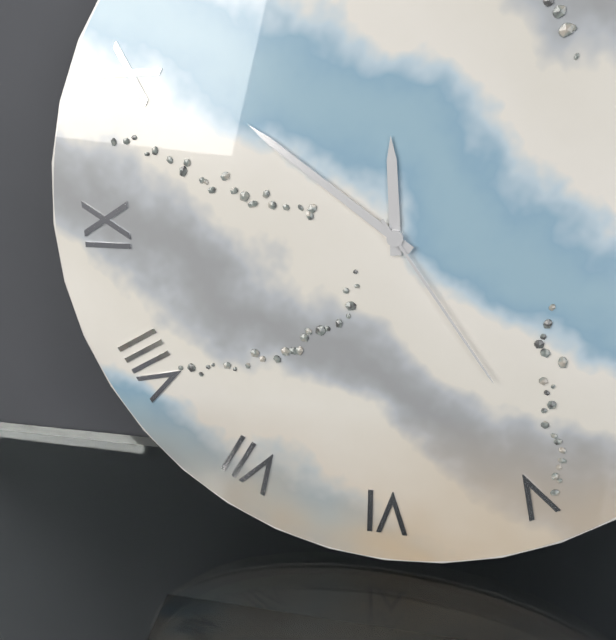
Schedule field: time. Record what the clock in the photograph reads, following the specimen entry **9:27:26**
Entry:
**11:51:24**
